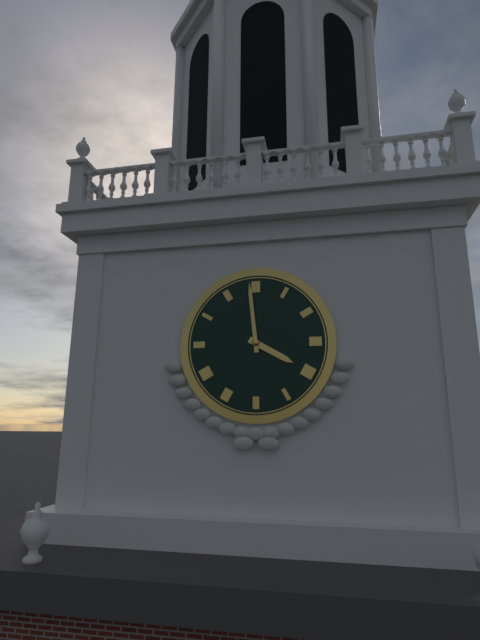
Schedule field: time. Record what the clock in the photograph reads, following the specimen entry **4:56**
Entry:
**3:59**
